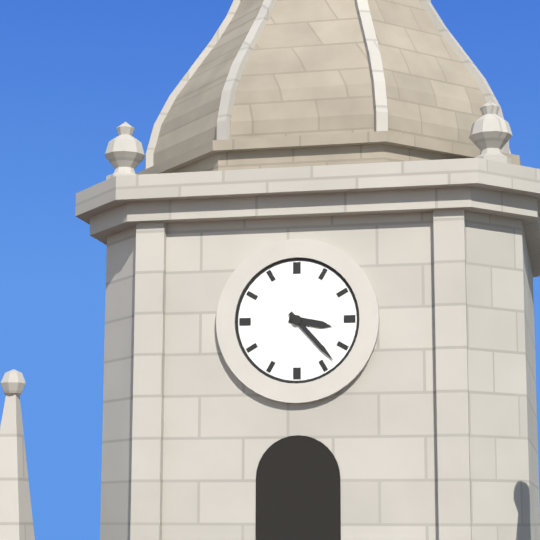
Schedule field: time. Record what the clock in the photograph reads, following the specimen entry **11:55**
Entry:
**3:23**
